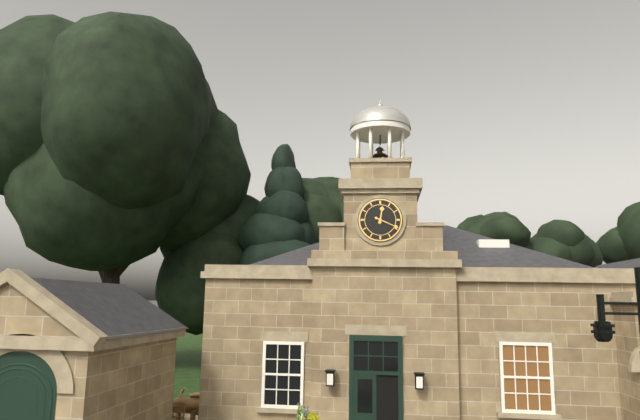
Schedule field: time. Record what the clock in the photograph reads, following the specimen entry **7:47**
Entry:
**12:19**
